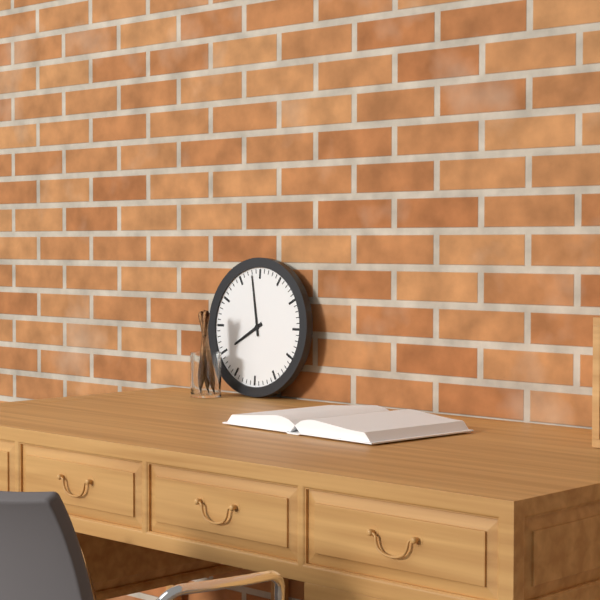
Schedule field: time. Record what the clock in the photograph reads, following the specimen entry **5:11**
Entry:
**7:58**
